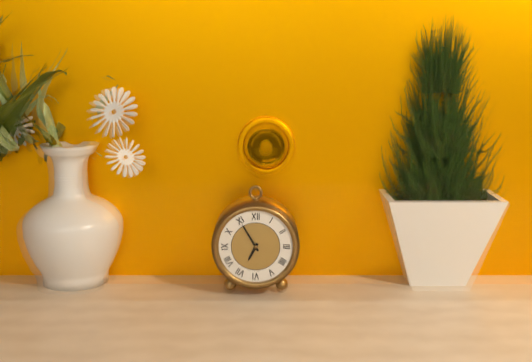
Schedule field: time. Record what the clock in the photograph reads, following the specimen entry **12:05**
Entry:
**6:55**
